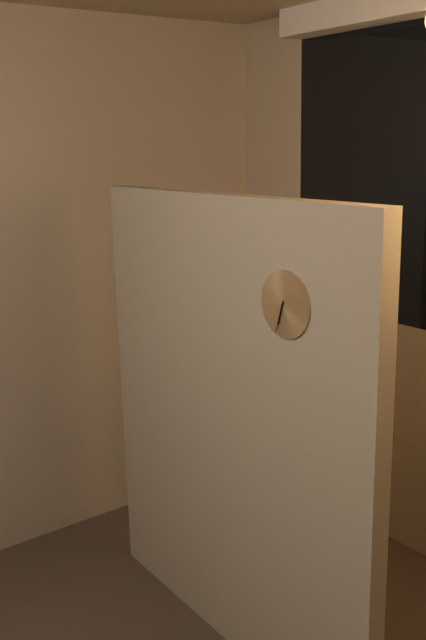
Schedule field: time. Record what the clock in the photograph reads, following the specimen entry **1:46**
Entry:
**6:33**
